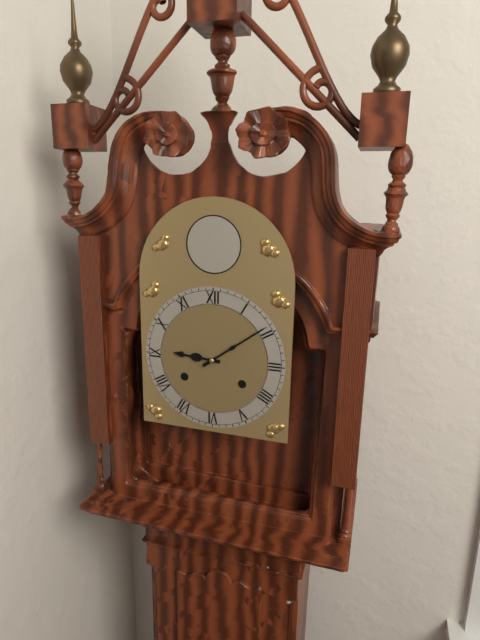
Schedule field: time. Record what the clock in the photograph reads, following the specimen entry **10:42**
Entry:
**9:09**
